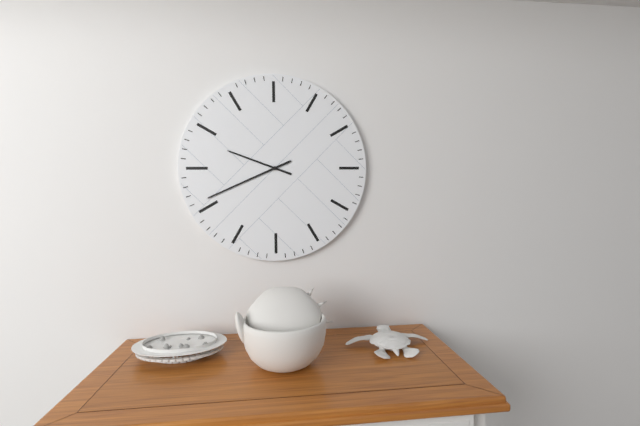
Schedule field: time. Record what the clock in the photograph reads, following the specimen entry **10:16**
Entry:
**9:41**
